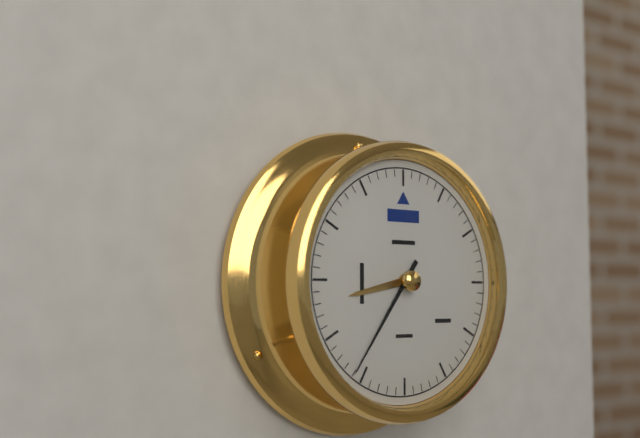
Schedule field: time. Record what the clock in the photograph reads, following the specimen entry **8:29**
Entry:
**8:36**
